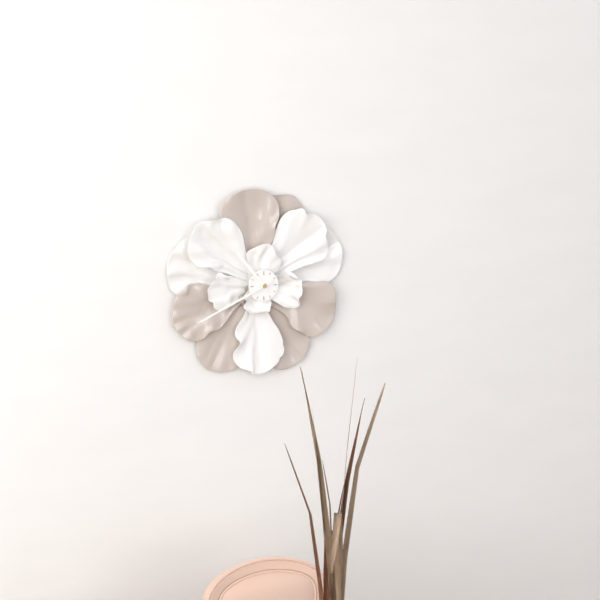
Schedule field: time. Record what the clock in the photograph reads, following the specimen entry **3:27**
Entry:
**10:41**
